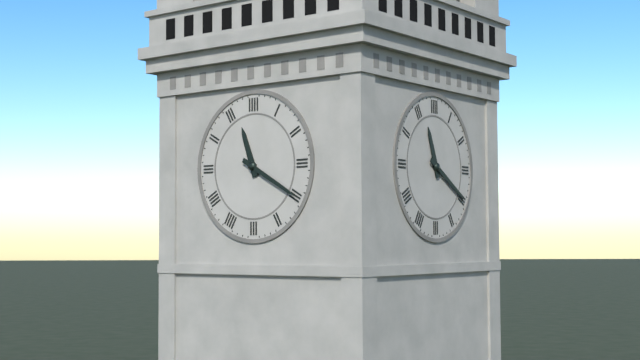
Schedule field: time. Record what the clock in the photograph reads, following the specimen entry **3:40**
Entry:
**11:20**
